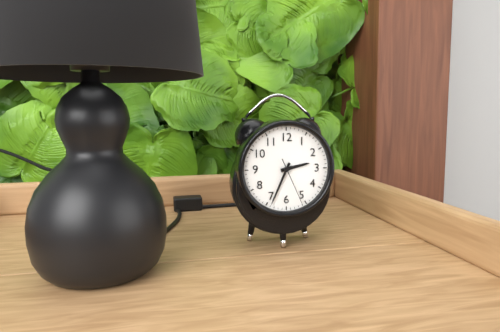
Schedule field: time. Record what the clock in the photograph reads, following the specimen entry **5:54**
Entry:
**2:34**
